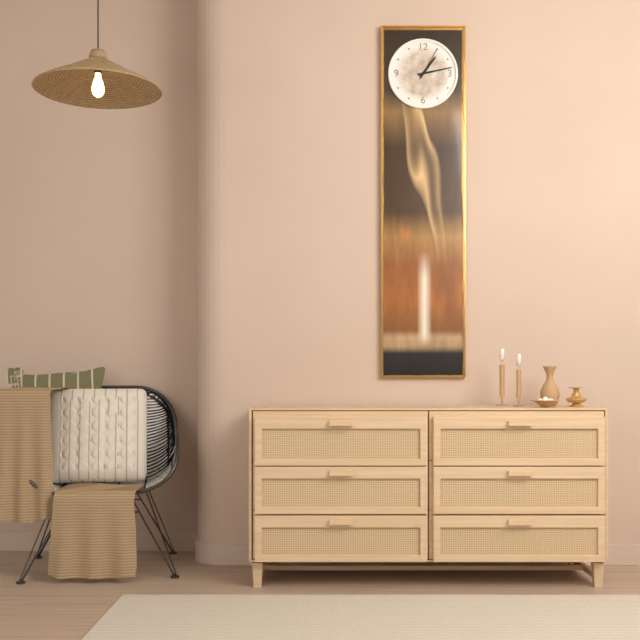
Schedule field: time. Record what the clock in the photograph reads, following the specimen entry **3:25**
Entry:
**1:13**
